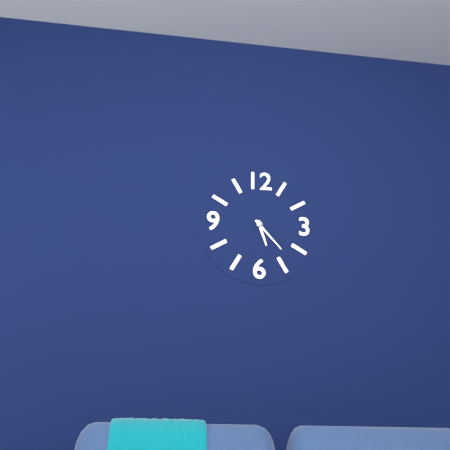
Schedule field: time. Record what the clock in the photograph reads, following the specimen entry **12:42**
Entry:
**5:23**
